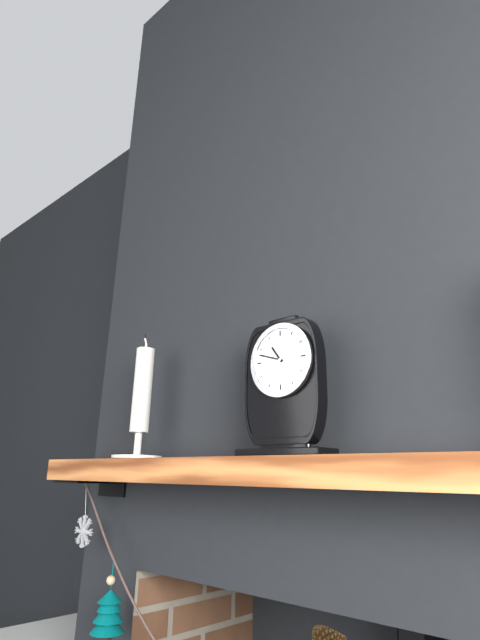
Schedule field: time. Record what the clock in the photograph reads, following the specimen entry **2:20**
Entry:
**10:48**
